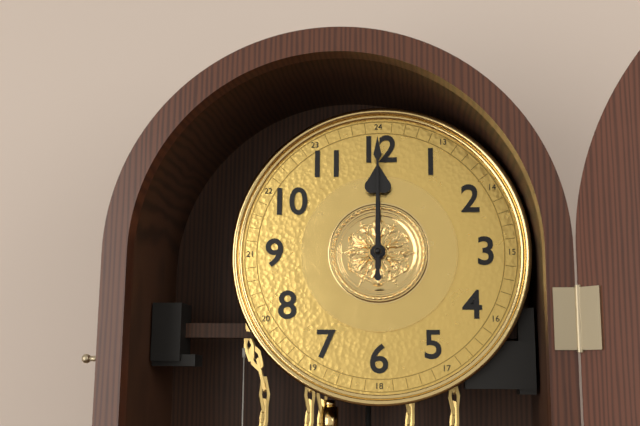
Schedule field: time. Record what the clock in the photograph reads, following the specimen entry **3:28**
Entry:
**12:00**
